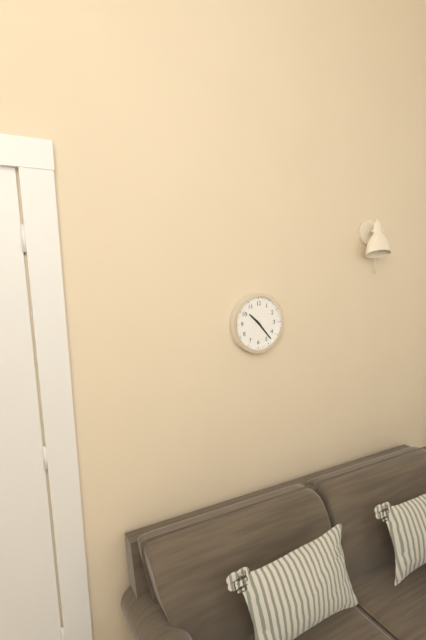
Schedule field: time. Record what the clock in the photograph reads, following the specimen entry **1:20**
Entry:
**10:23**
